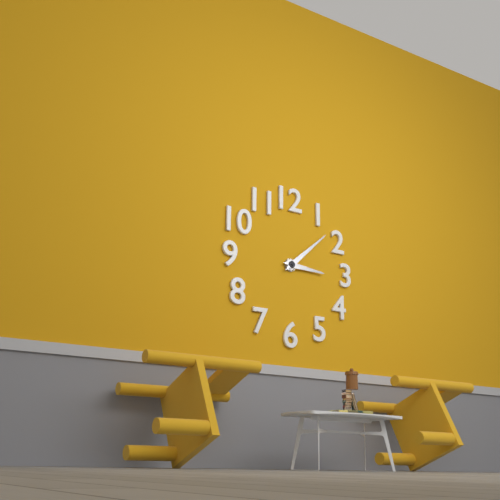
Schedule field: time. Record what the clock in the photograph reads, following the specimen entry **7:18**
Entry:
**3:08**
